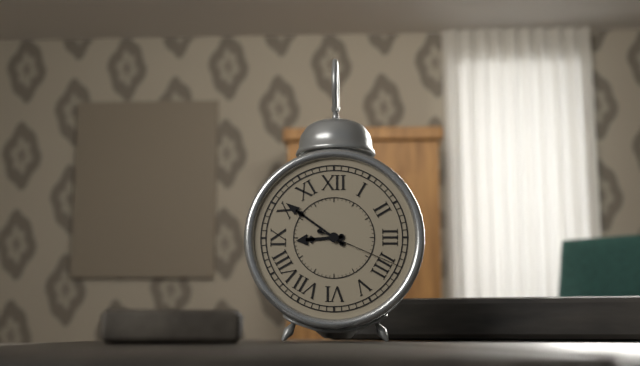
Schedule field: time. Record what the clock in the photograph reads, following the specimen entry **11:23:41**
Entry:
**8:51:19**
